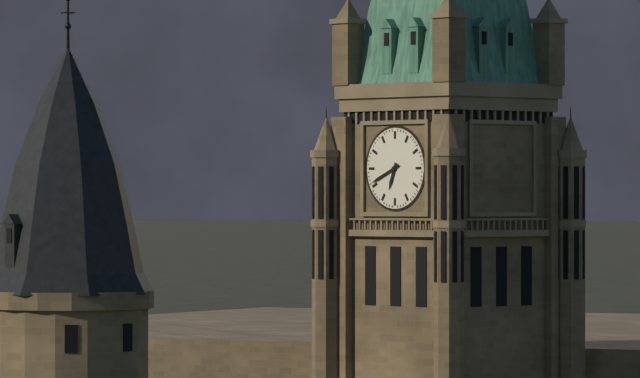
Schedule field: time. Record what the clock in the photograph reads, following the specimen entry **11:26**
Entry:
**6:41**
